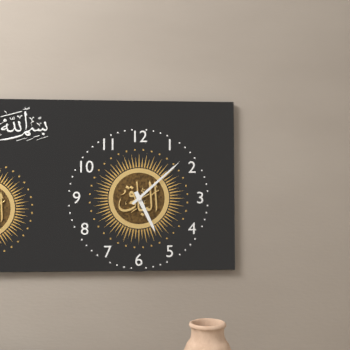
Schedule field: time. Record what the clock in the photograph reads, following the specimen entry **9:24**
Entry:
**5:08**
